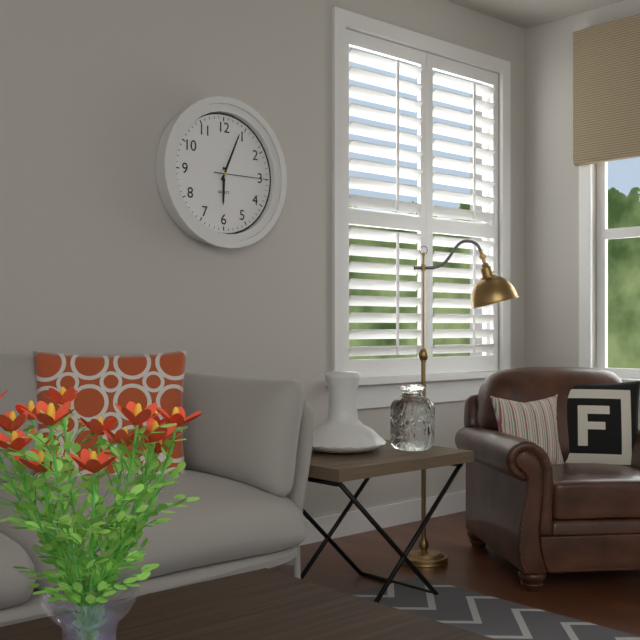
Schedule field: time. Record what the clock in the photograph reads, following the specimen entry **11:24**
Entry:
**6:04**
